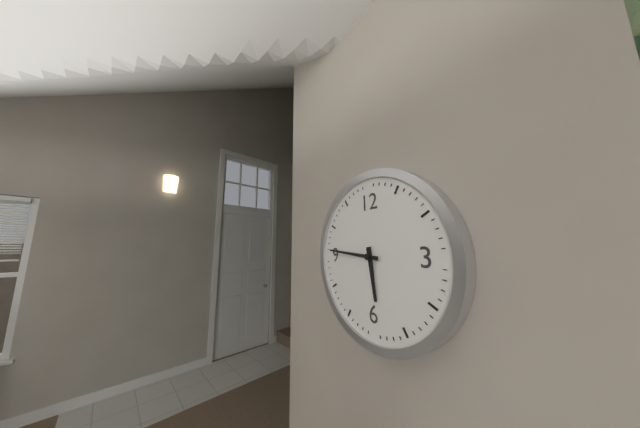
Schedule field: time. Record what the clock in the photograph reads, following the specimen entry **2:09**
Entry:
**5:46**
